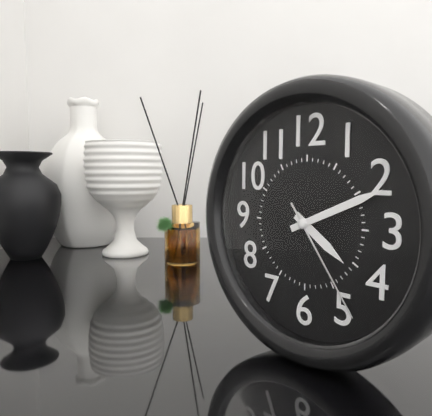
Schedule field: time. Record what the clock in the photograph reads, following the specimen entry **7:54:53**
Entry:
**4:11:24**
